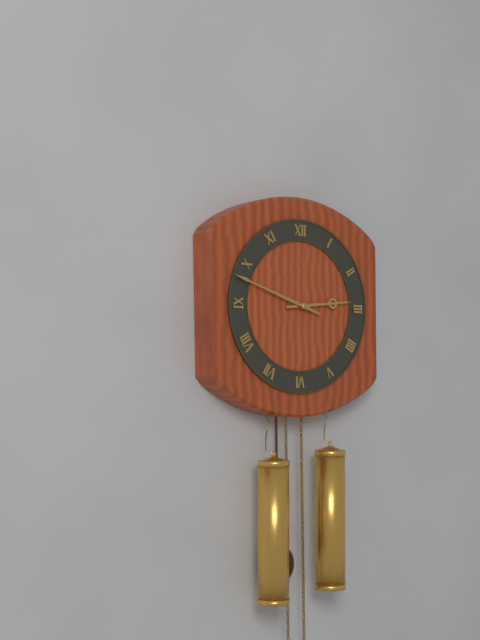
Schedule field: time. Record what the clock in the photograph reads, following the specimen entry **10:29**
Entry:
**2:48**
